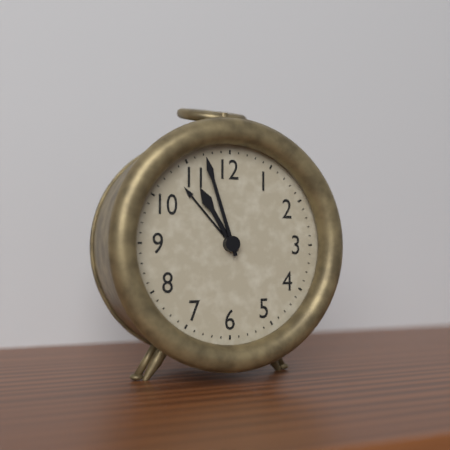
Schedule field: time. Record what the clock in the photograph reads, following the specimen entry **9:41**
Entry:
**10:57**
